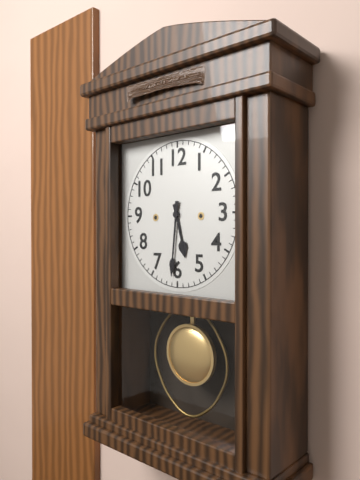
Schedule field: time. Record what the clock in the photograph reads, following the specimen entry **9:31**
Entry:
**5:31**
